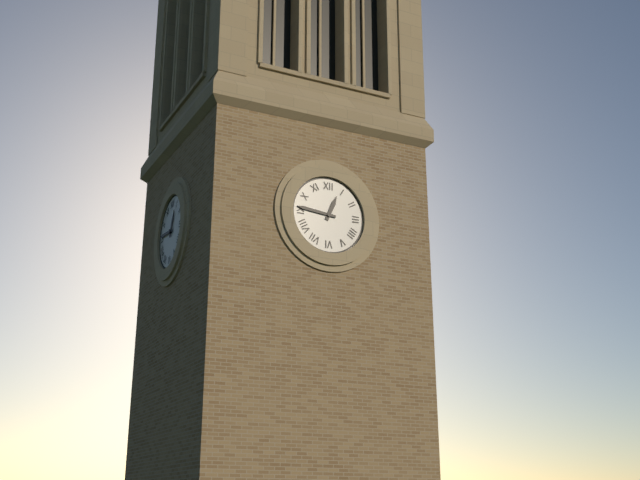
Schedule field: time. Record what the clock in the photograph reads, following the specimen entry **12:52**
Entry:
**12:46**
